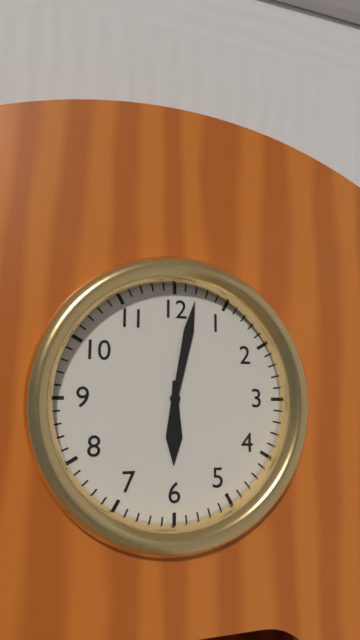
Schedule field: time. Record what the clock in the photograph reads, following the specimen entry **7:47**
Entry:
**6:02**
